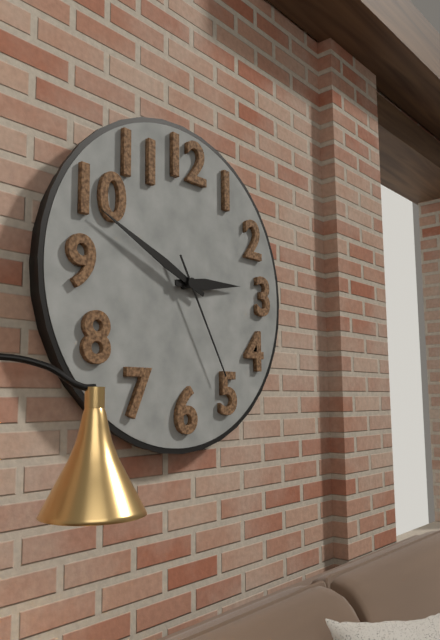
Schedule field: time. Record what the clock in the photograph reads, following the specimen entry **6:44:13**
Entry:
**2:49:25**
